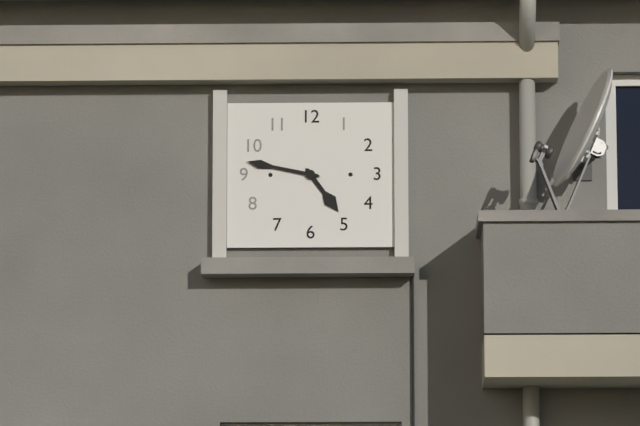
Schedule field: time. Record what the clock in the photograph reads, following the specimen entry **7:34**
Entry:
**4:47**
